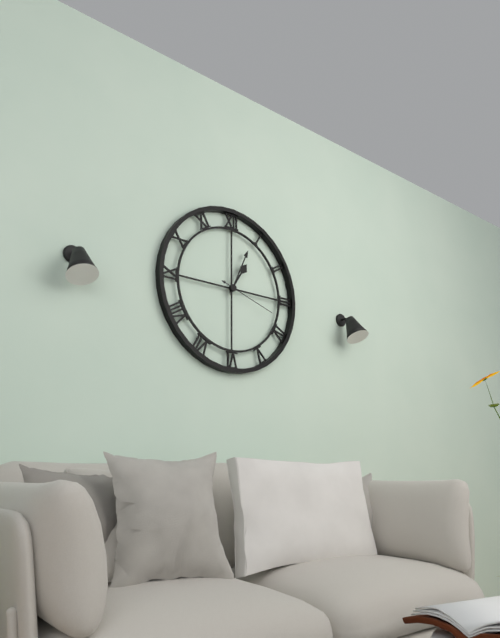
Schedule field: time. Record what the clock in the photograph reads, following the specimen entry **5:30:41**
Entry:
**1:04:18**
